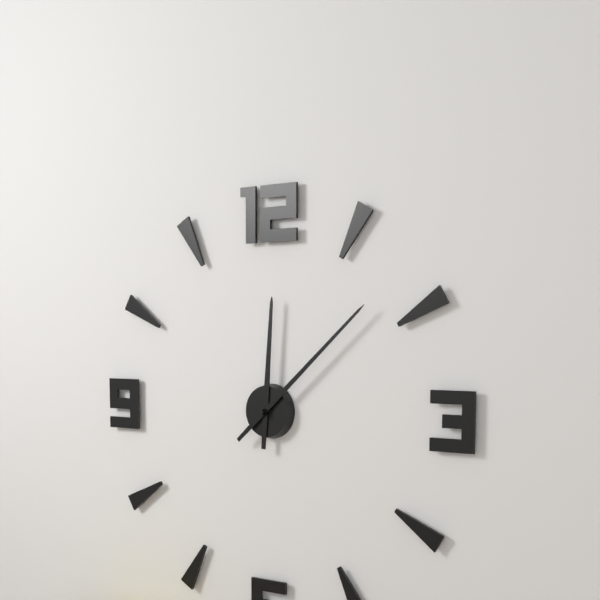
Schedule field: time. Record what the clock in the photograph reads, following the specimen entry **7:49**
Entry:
**12:08**
